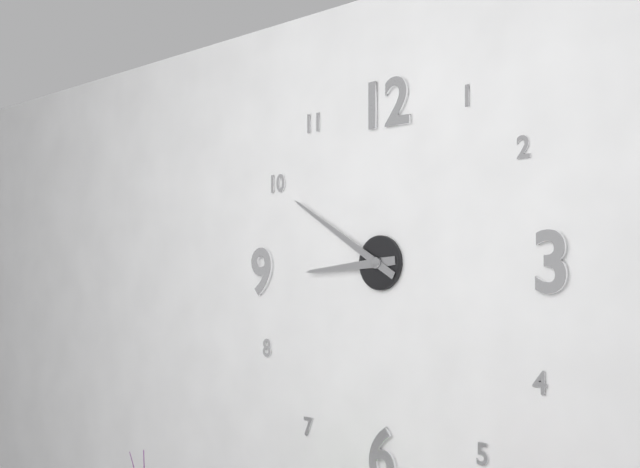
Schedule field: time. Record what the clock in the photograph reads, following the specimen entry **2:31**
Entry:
**8:50**
